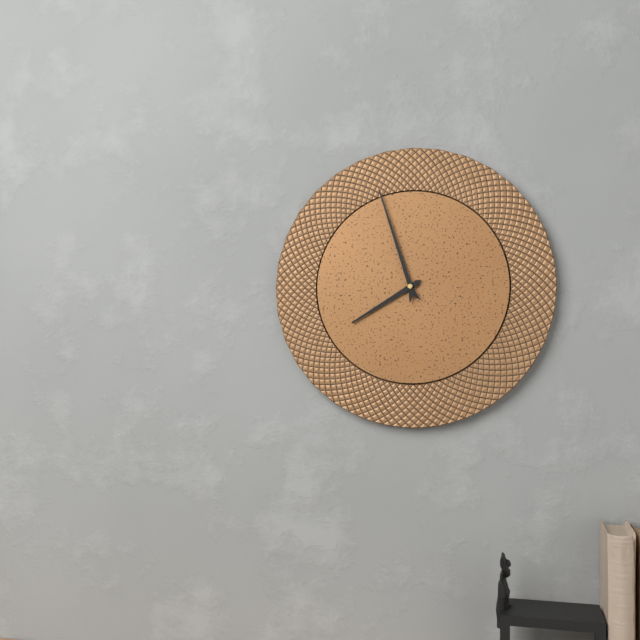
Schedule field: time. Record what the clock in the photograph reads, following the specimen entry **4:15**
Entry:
**7:57**
